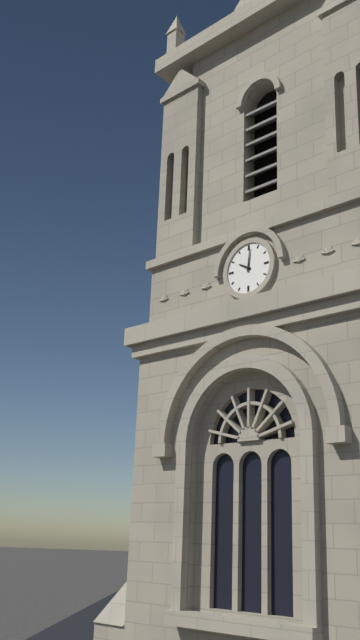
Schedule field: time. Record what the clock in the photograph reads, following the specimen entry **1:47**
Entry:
**10:01**
